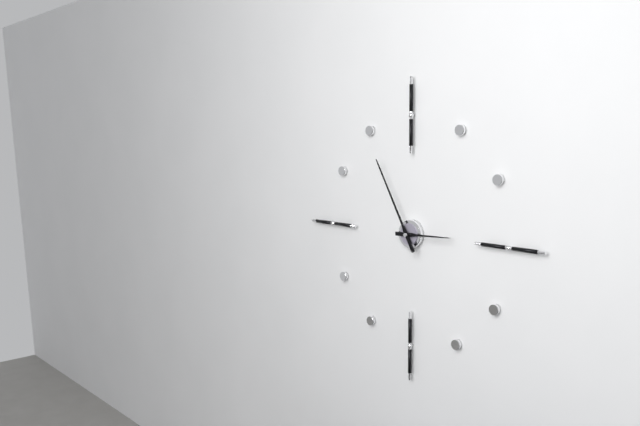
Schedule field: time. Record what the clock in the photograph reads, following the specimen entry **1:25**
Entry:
**2:55**
